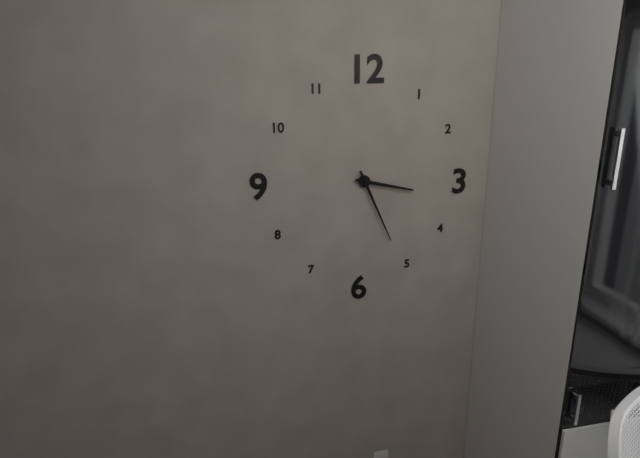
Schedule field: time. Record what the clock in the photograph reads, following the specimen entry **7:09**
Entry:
**3:26**
